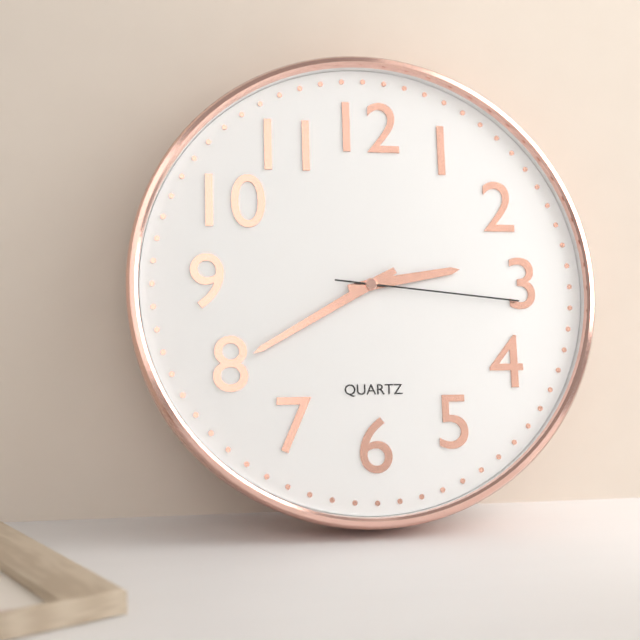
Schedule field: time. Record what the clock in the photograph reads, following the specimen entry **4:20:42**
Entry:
**2:40:16**
